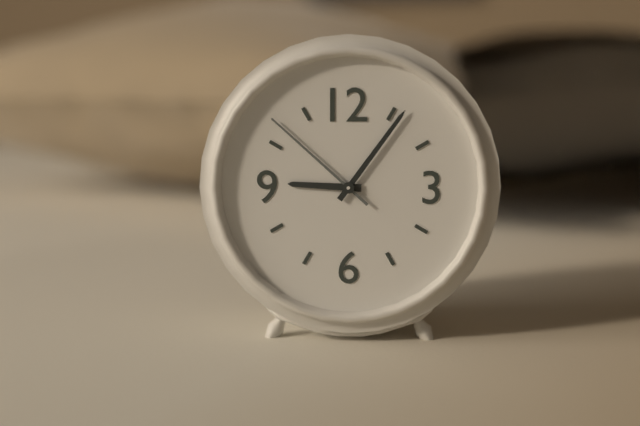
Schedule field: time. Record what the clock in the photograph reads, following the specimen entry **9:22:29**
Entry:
**9:06:52**
